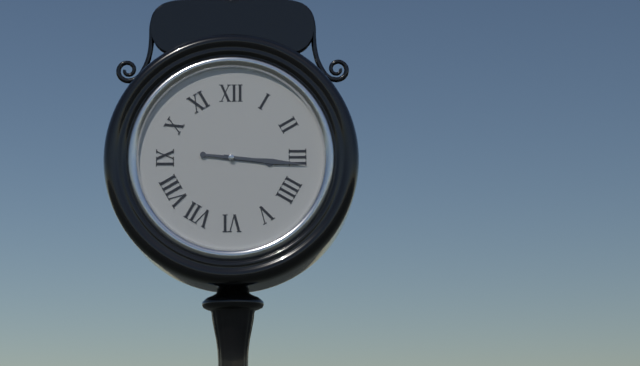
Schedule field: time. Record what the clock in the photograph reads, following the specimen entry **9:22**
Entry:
**3:16**
